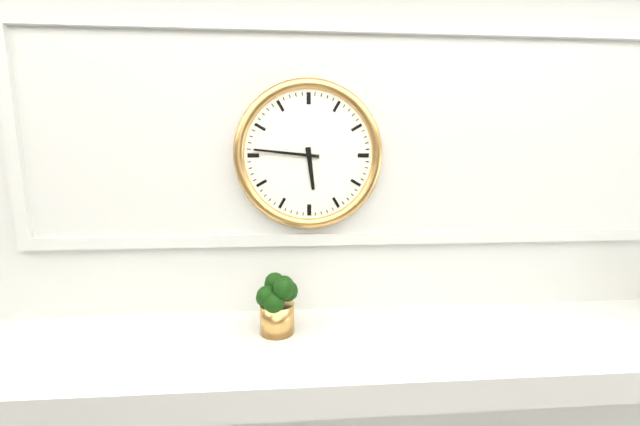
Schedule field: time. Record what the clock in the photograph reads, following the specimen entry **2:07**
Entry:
**5:46**
